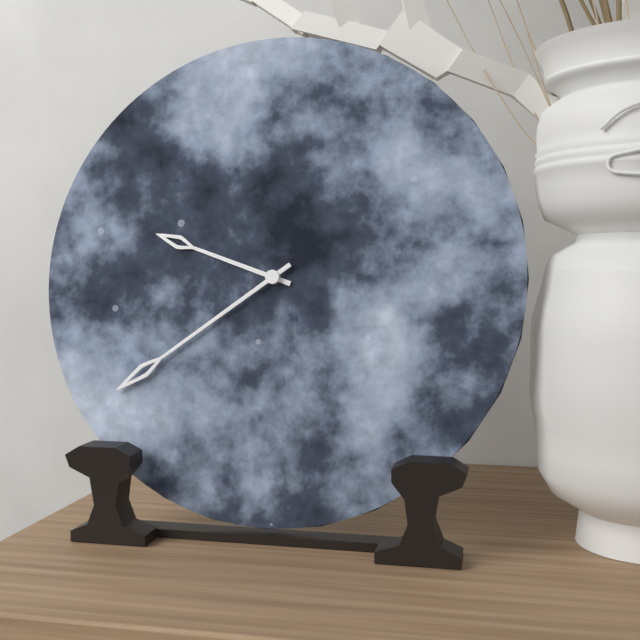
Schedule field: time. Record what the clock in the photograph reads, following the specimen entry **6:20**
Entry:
**9:39**
